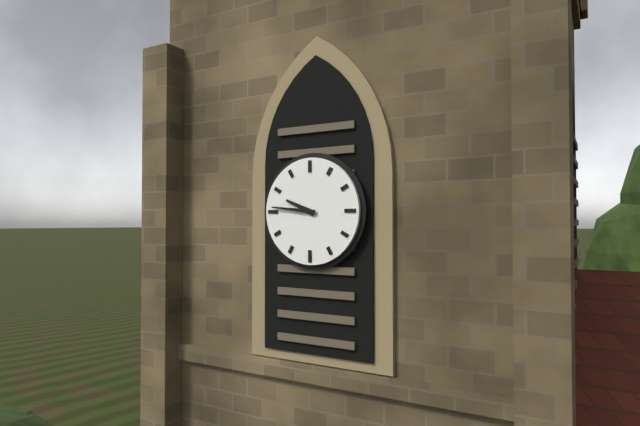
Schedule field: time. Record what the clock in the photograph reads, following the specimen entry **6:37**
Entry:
**9:46**
